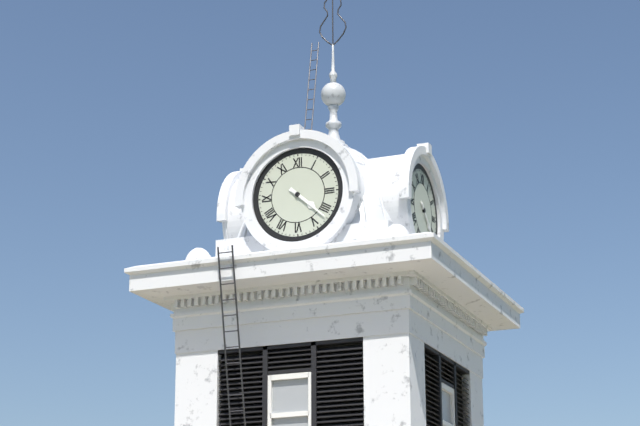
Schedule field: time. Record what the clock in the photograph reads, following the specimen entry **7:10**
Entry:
**4:22**
